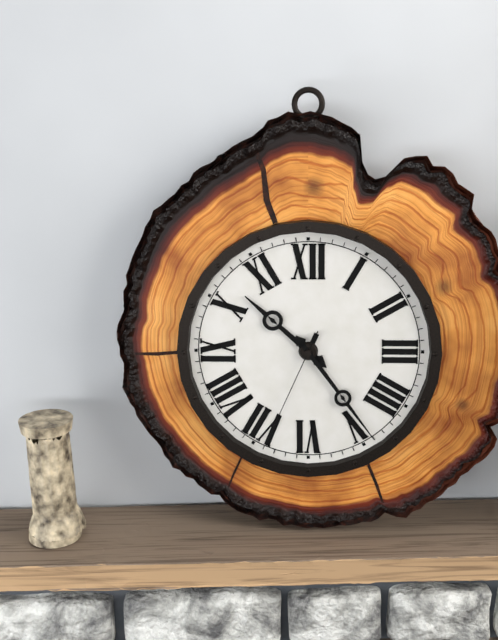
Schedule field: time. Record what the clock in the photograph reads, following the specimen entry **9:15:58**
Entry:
**10:24:34**
